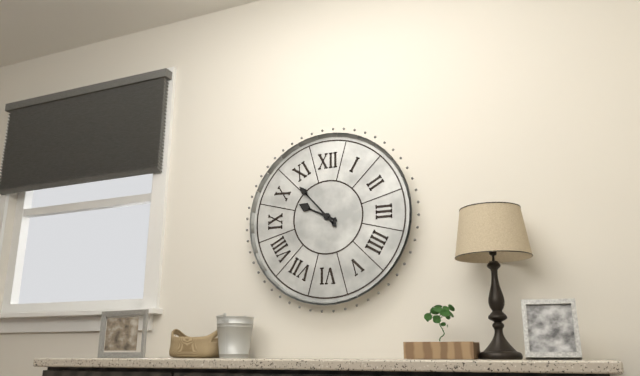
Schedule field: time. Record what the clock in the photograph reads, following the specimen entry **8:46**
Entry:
**9:53**
